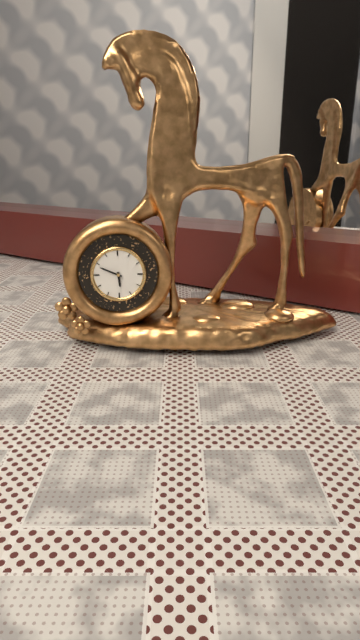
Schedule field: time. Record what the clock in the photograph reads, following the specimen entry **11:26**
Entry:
**5:49**
